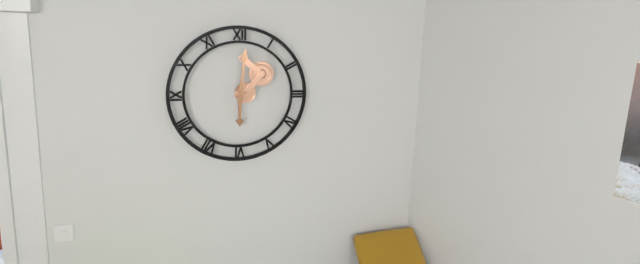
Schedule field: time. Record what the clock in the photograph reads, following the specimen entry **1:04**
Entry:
**6:01**
